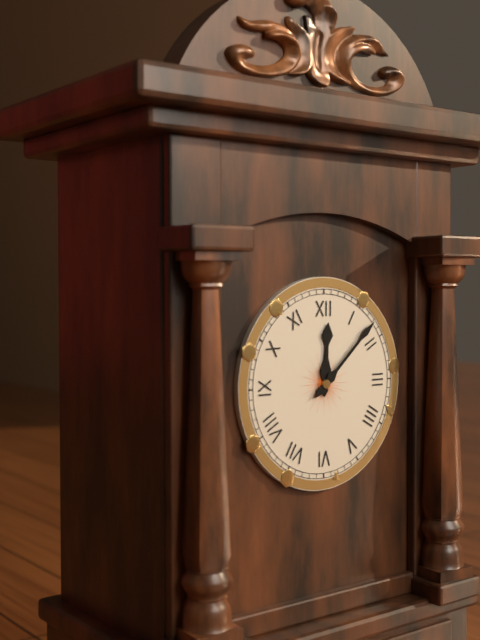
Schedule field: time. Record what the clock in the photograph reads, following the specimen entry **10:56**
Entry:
**12:08**
